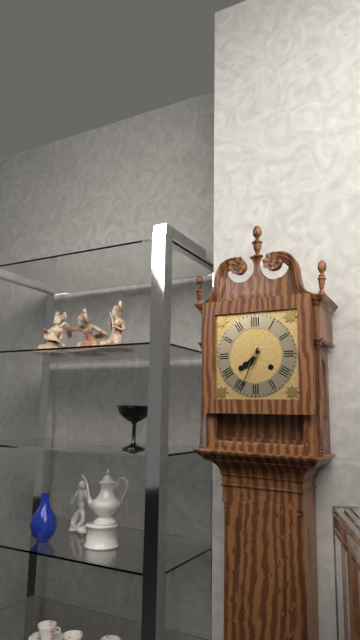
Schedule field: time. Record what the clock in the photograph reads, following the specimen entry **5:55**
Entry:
**7:34**
